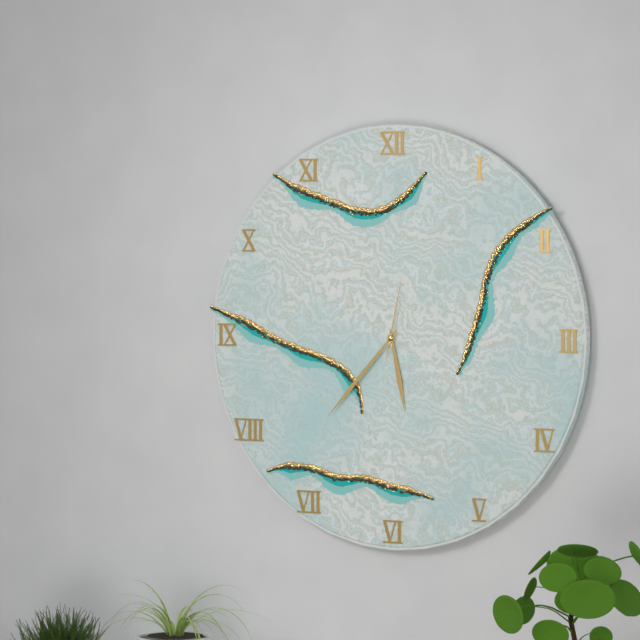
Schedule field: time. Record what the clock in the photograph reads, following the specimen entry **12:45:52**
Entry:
**5:37:02**
